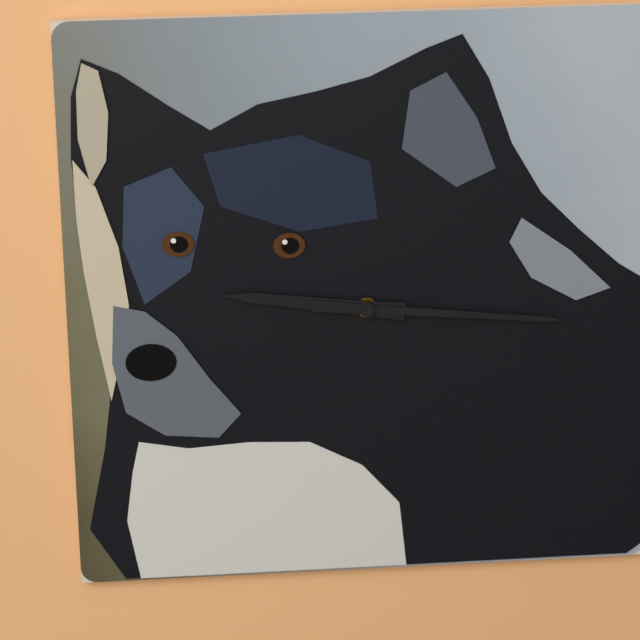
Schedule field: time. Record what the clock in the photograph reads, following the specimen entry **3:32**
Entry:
**9:16**
